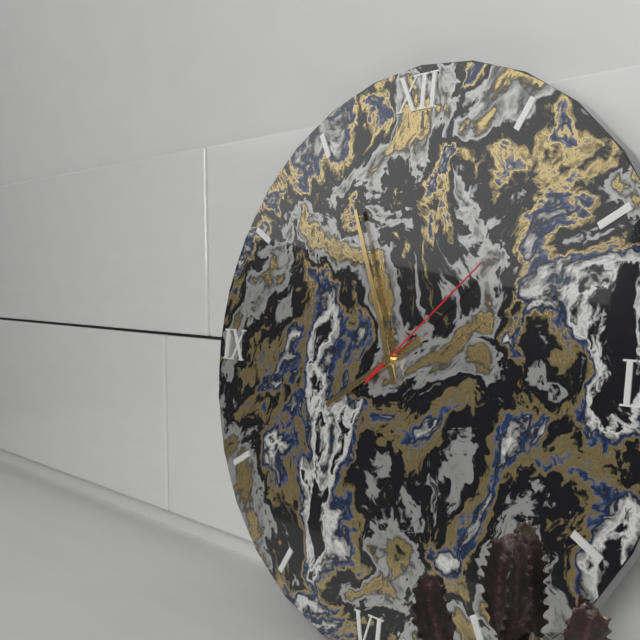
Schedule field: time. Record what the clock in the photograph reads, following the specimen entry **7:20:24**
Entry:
**7:56:08**
